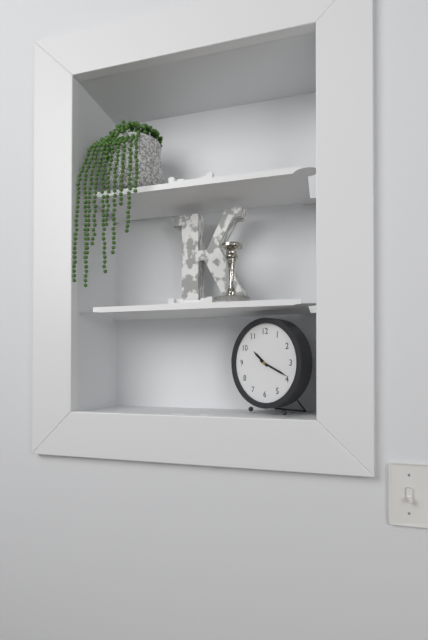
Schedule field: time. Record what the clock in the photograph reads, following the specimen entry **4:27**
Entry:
**10:19**
